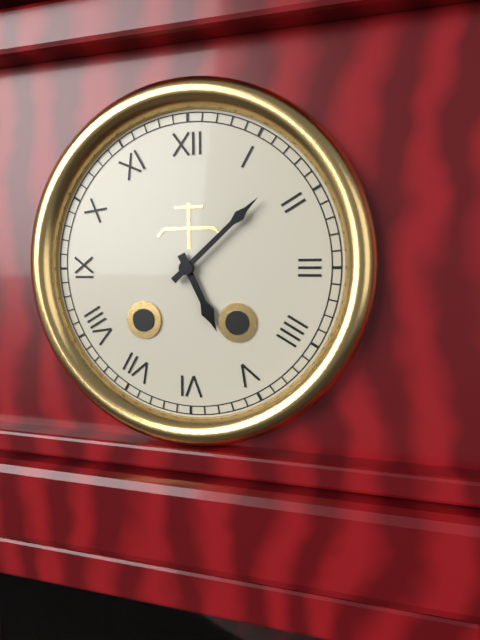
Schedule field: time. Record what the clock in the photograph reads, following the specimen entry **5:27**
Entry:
**5:08**
